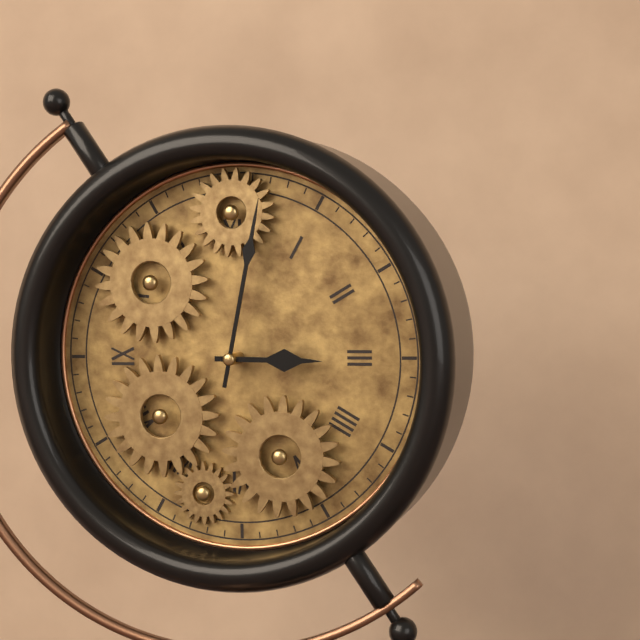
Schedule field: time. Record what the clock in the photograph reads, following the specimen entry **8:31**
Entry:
**3:02**
